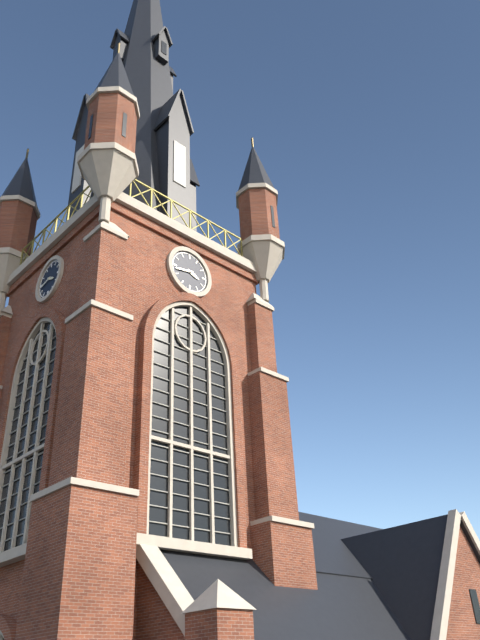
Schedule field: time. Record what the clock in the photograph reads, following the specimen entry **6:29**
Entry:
**3:43**
